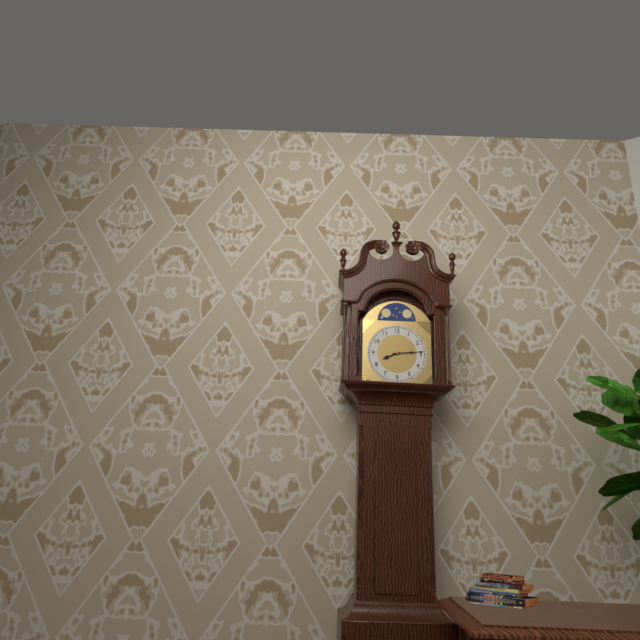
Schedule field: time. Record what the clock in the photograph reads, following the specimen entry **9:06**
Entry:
**8:14**
